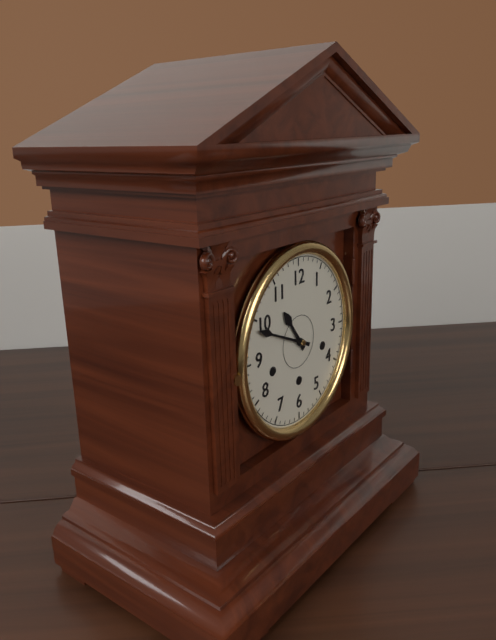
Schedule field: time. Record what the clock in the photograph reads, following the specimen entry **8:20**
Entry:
**10:49**
